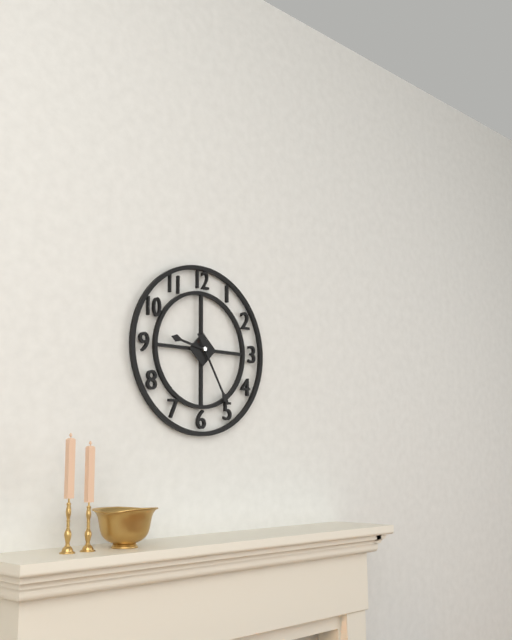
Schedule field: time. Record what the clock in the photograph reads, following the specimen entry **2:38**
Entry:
**9:25**
